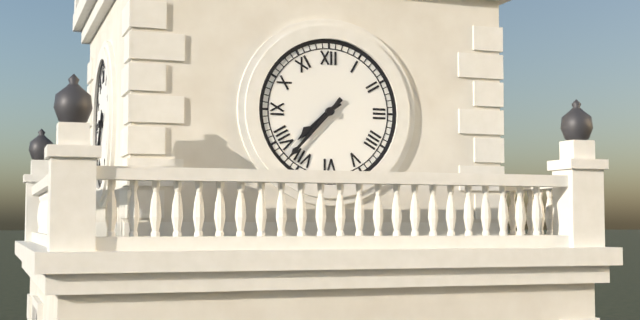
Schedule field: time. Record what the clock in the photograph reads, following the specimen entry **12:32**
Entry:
**7:37**
